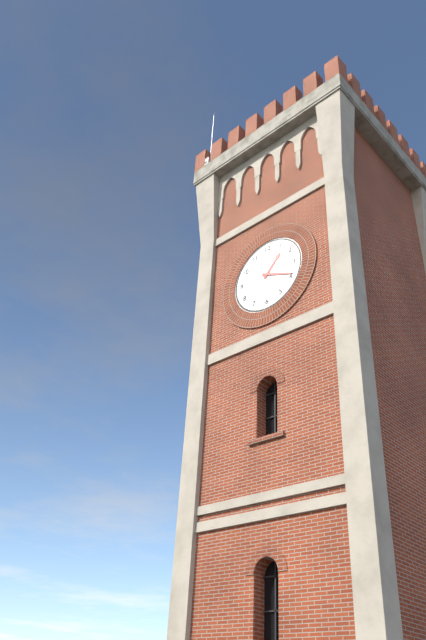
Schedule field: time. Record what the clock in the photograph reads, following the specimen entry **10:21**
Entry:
**1:19**
